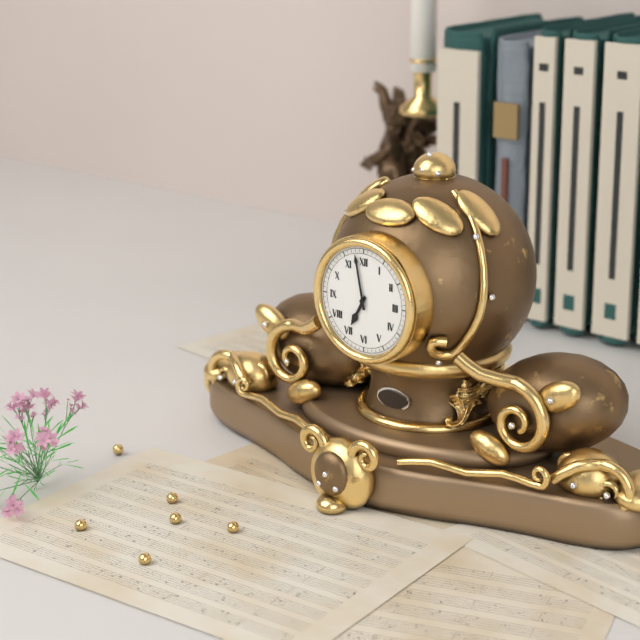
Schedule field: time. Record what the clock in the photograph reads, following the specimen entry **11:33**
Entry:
**6:58**
